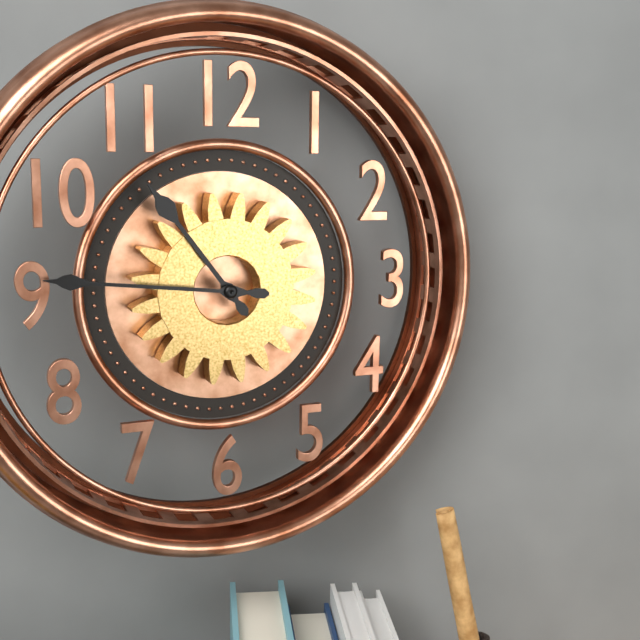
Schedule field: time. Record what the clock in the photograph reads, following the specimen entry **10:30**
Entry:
**10:46**
